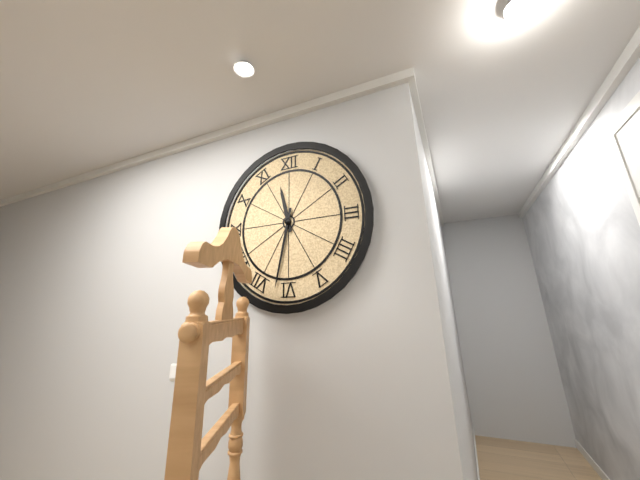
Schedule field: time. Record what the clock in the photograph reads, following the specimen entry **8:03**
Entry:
**11:32**
